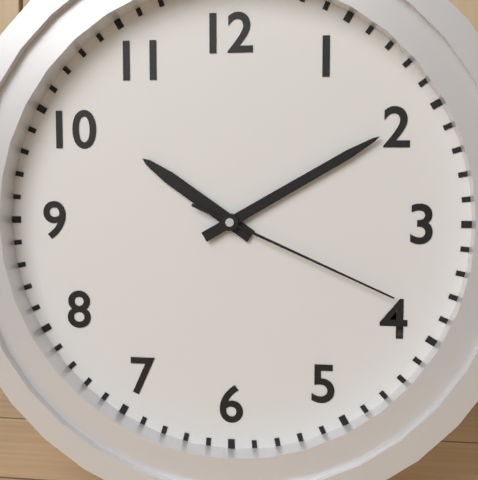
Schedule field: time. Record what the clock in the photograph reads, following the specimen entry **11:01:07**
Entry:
**10:10:19**
